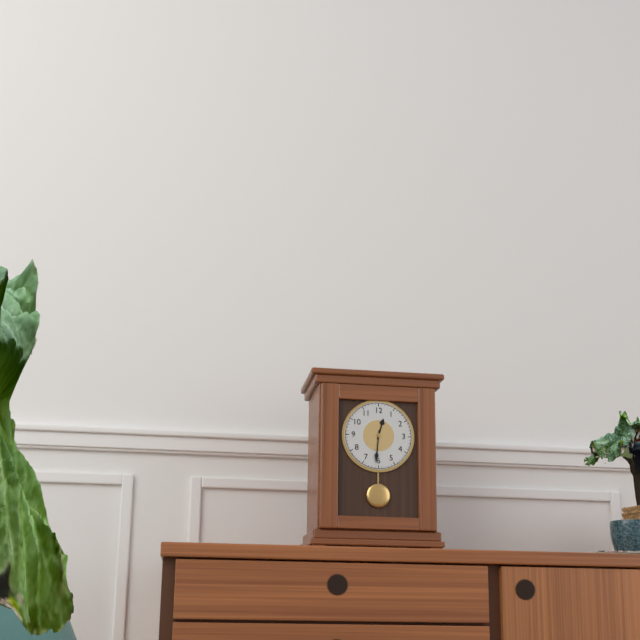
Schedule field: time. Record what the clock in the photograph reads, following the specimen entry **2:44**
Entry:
**12:31**
